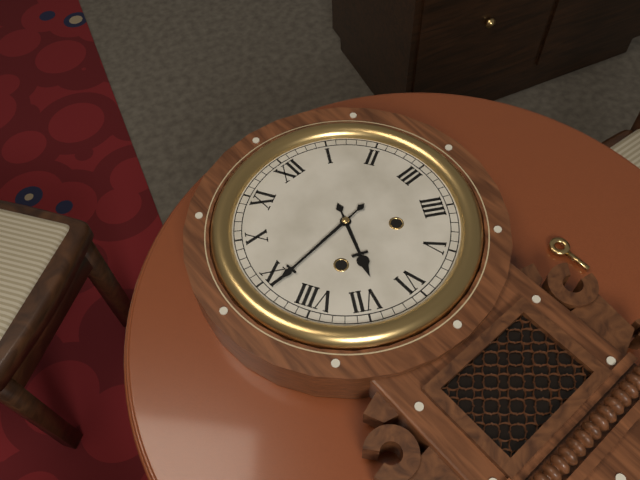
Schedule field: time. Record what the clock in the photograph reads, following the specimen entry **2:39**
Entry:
**6:44**
